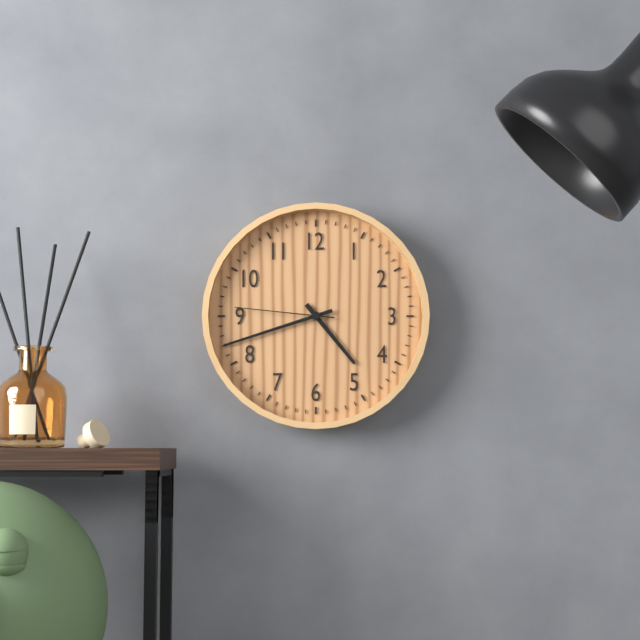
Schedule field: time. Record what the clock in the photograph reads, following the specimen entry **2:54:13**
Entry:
**4:42:46**
